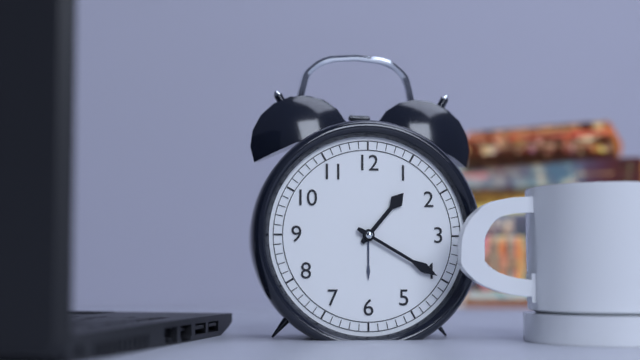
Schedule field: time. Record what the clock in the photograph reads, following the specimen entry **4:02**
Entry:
**1:20**
